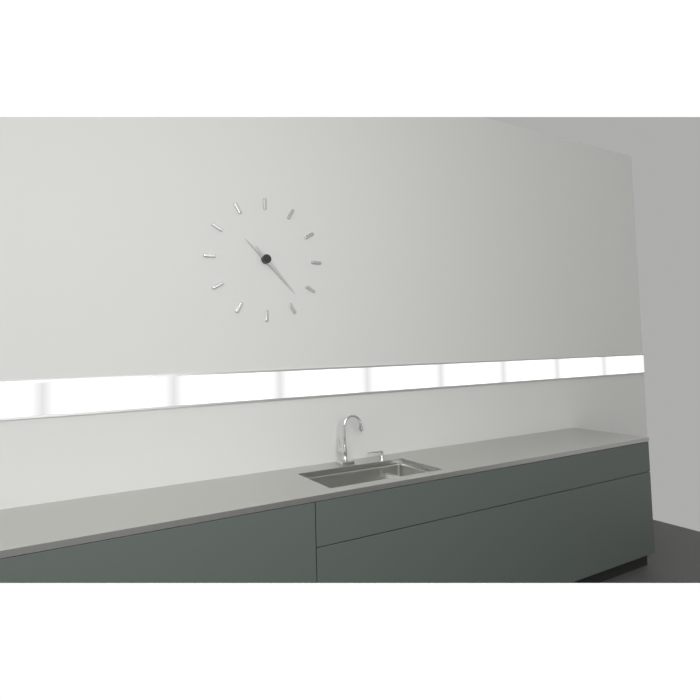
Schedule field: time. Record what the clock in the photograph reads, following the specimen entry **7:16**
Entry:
**10:23**
